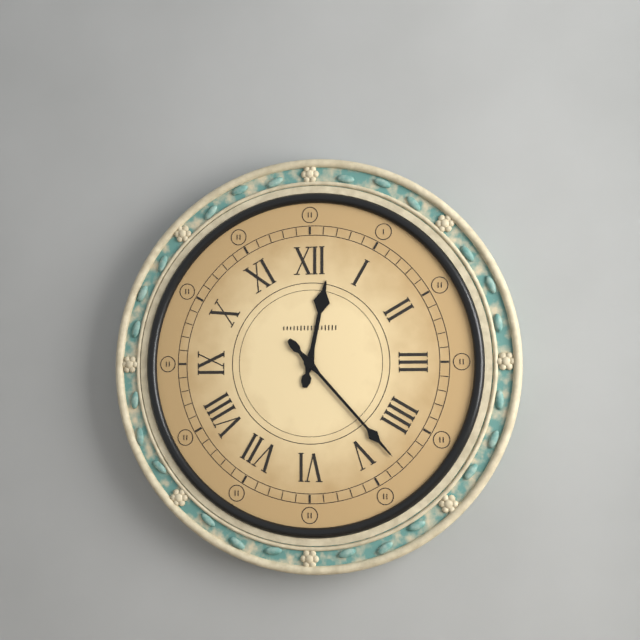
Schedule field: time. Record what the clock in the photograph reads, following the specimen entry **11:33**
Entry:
**12:23**
